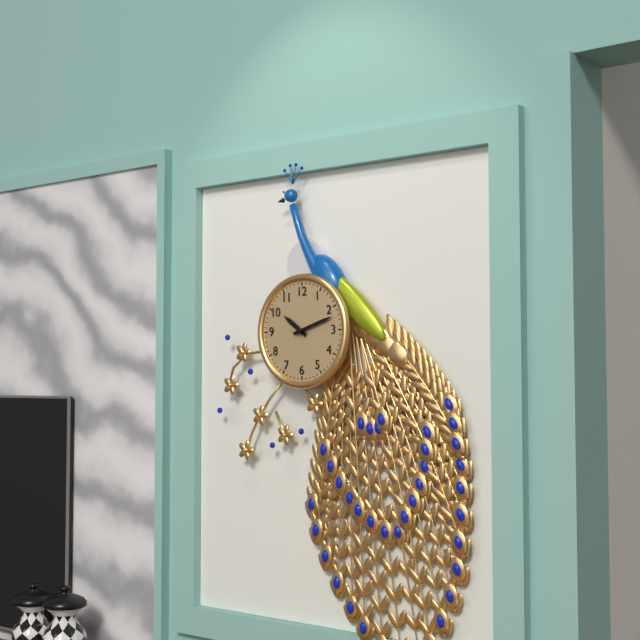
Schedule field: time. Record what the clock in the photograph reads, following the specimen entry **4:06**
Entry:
**10:12**
